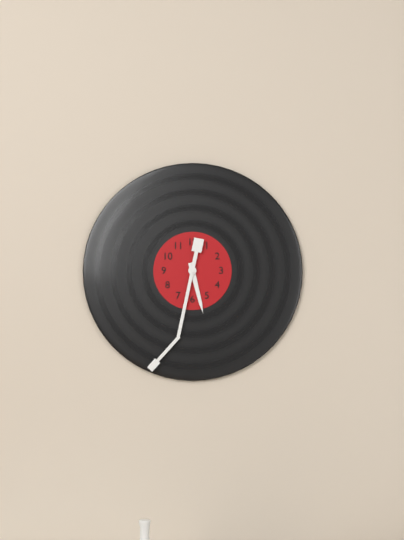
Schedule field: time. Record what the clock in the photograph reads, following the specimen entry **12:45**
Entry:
**5:32**
